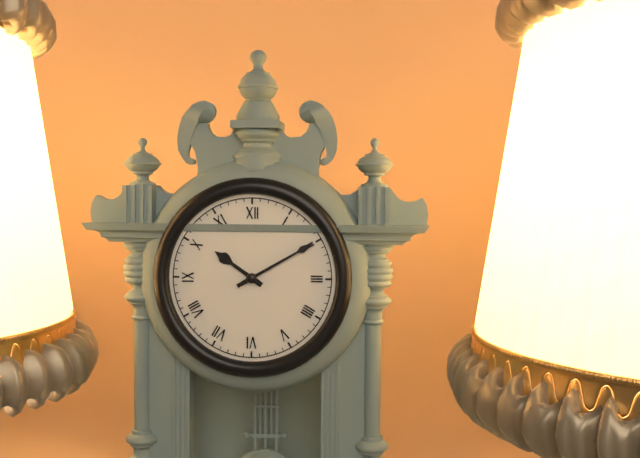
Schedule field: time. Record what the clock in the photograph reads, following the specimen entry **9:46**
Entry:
**10:10**
